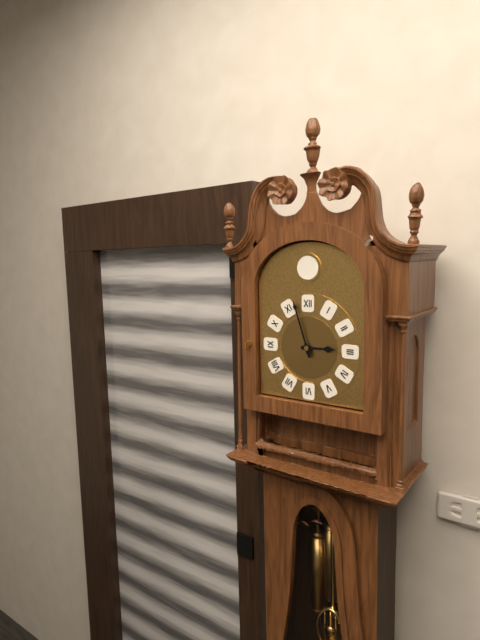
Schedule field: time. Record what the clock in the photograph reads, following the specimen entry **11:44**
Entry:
**2:57**
